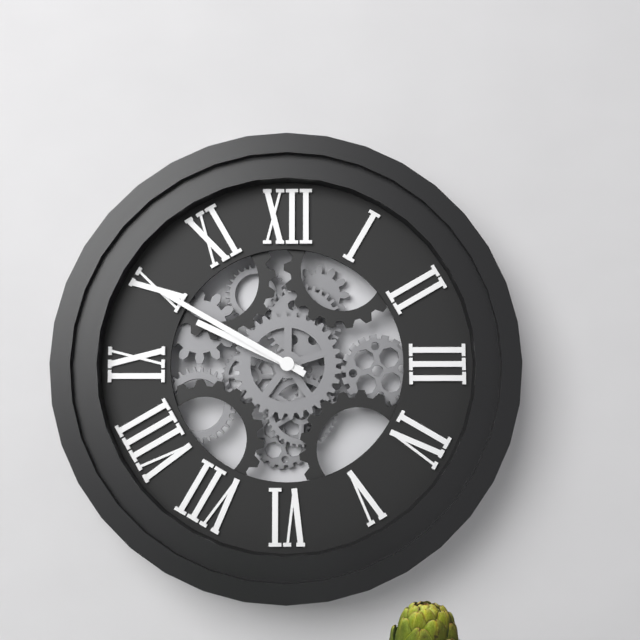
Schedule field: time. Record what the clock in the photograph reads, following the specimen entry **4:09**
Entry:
**9:50**
